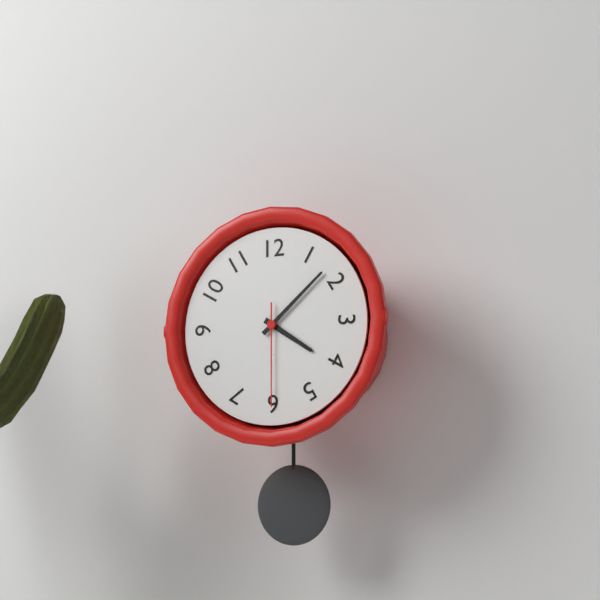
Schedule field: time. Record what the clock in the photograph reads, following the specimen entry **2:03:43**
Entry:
**4:08:30**
